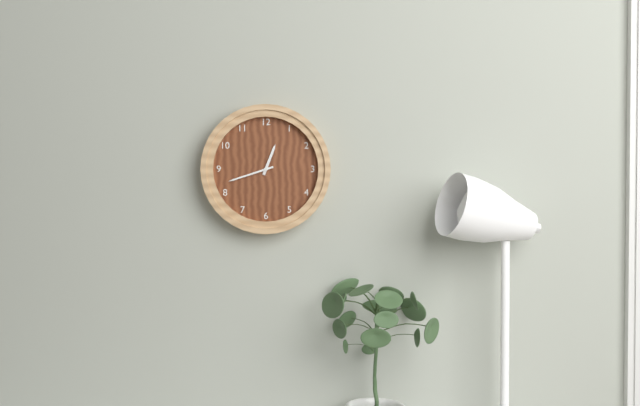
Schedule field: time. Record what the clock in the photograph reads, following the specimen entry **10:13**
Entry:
**12:42**
